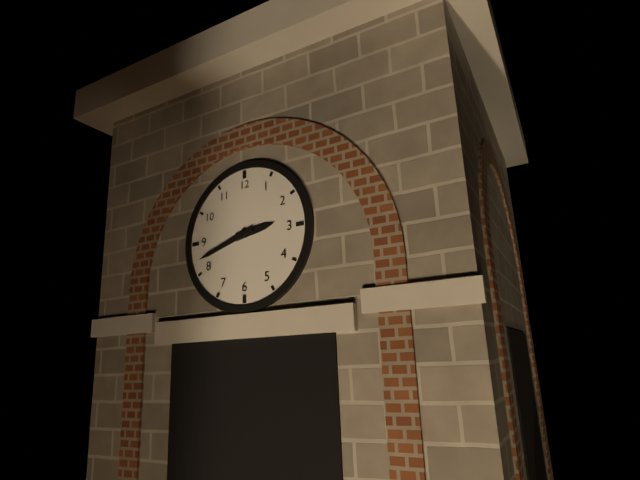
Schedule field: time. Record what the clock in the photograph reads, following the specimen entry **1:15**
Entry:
**2:42**
